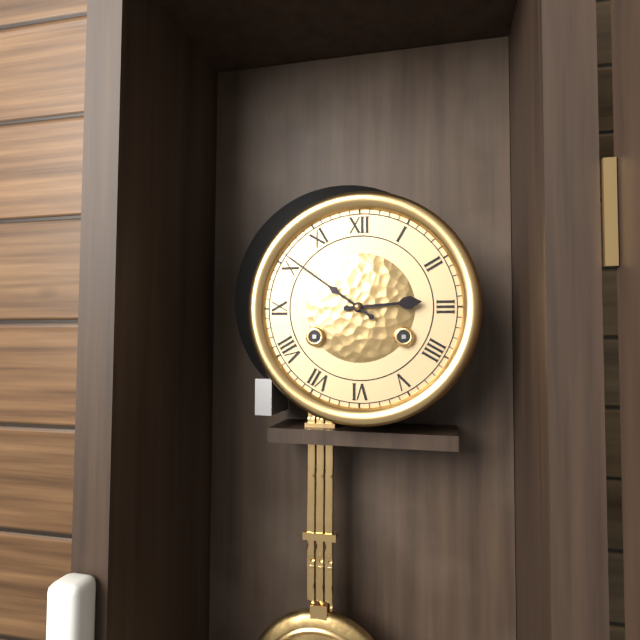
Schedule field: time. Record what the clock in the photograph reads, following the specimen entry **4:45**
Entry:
**2:51**
